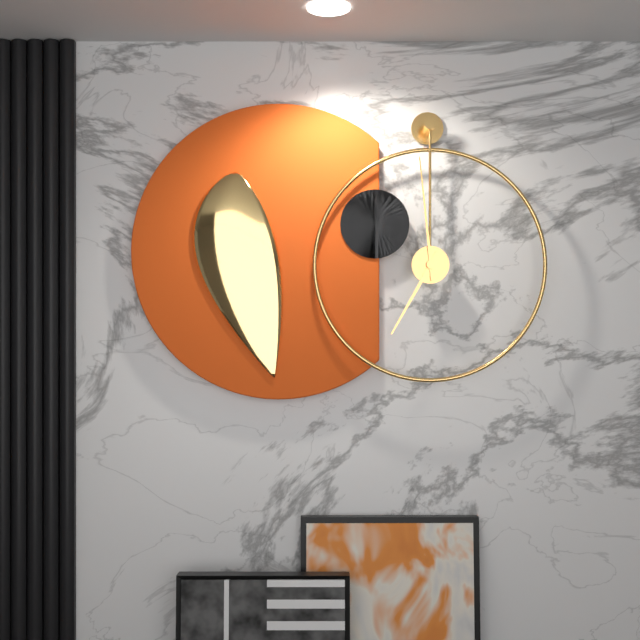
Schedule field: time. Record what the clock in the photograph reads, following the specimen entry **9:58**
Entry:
**6:59**
